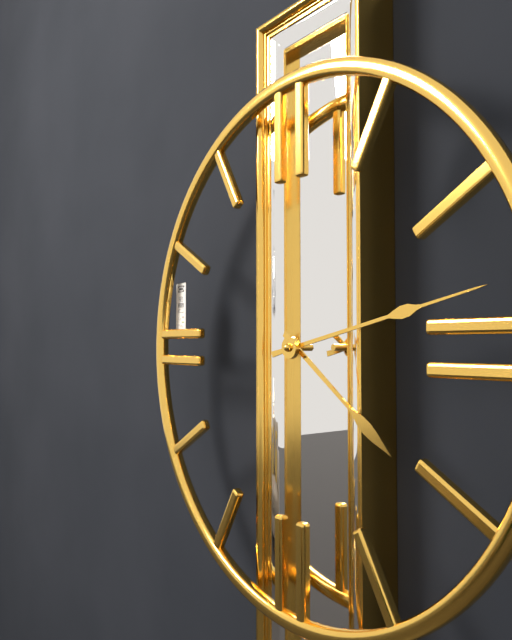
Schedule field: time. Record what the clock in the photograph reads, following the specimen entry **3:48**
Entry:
**4:13**
